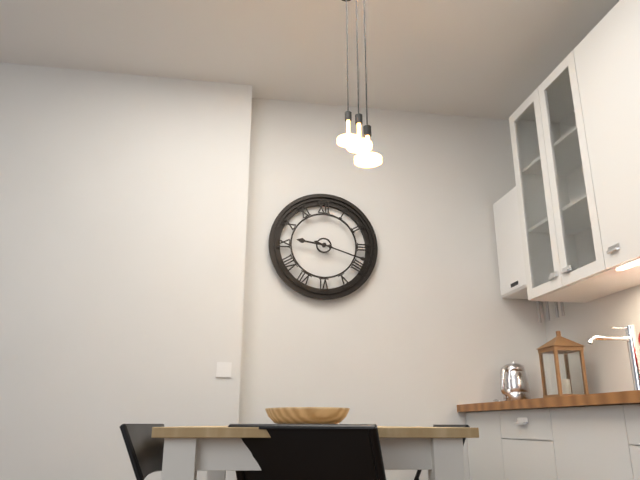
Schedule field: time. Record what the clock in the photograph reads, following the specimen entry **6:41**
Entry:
**9:18**
